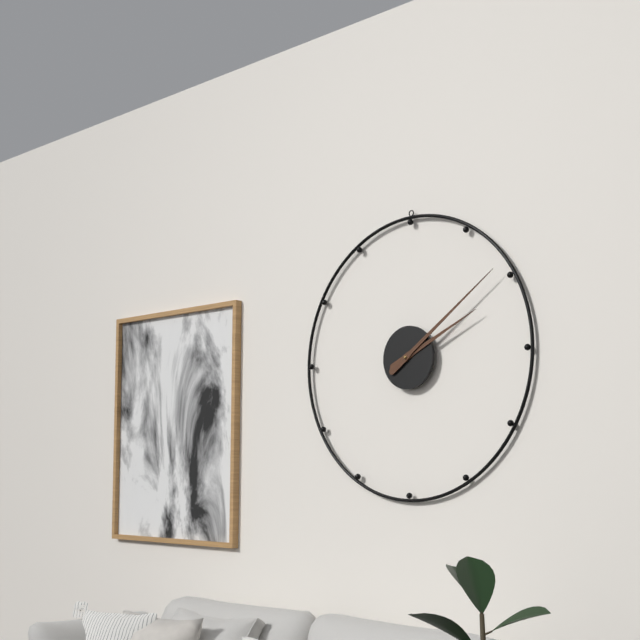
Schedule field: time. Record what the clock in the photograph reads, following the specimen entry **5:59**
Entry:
**2:09**
